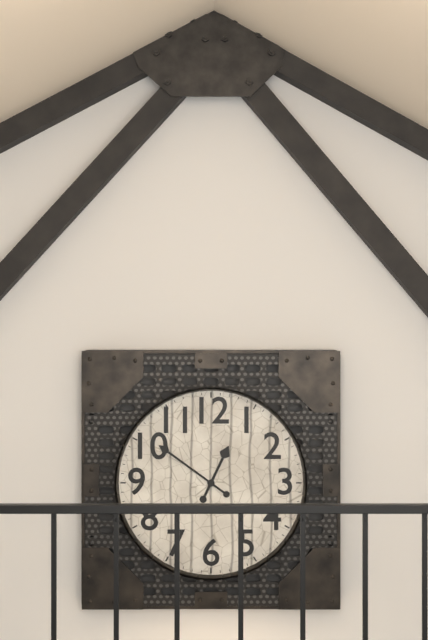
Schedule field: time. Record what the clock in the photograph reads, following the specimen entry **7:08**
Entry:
**12:51**
